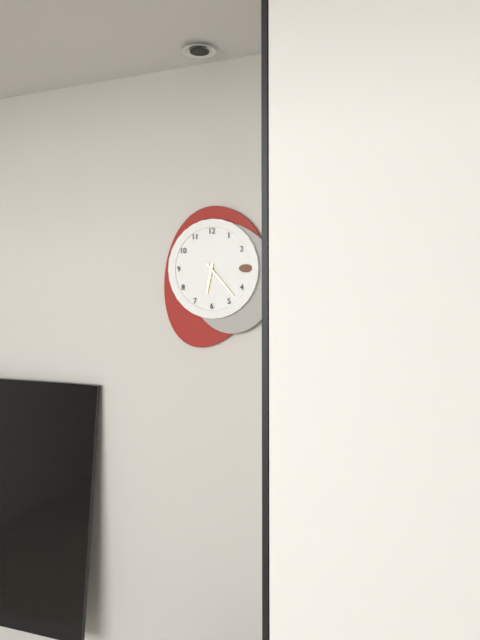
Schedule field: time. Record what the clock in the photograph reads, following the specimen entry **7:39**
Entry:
**6:23**
